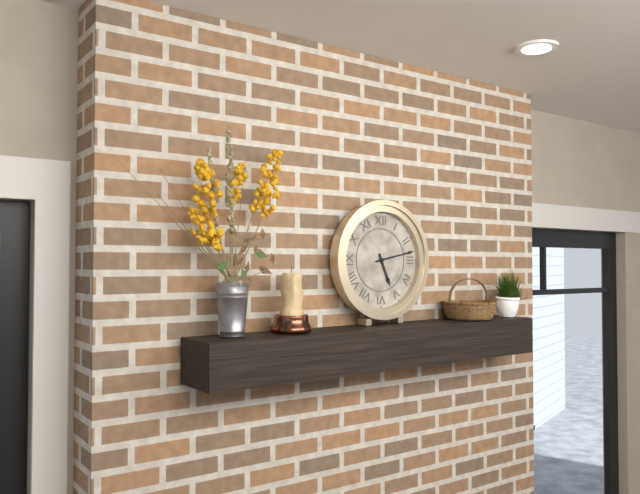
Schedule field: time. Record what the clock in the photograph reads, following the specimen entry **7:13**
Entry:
**5:13**
